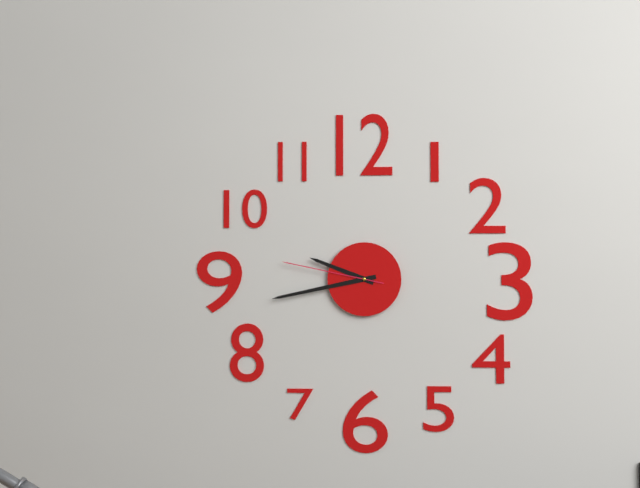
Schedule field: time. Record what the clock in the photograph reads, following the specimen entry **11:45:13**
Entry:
**9:43:47**
